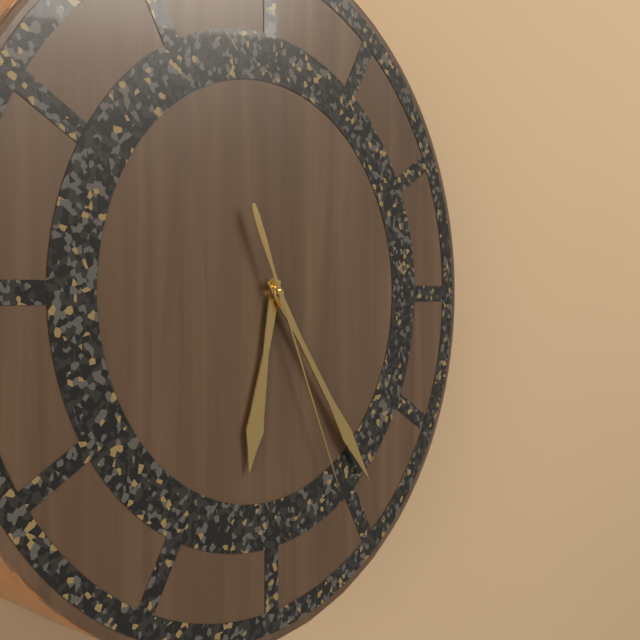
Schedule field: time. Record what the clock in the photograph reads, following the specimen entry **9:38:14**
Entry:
**6:24:26**
